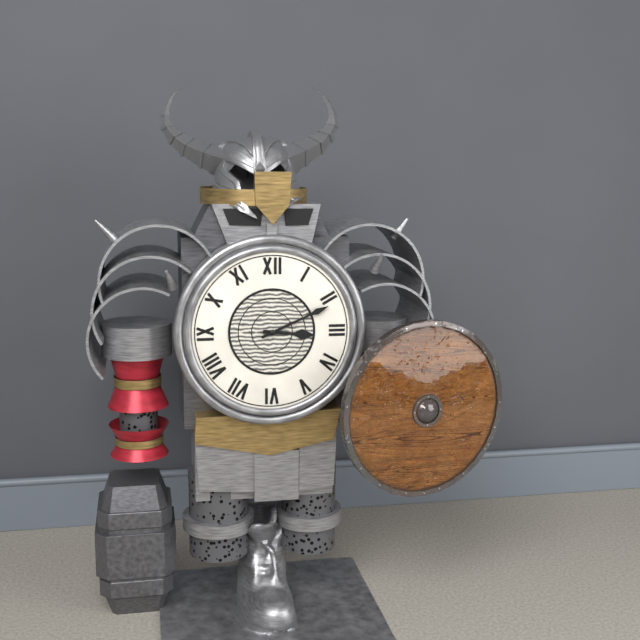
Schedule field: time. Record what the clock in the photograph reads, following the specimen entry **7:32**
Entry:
**3:11**
